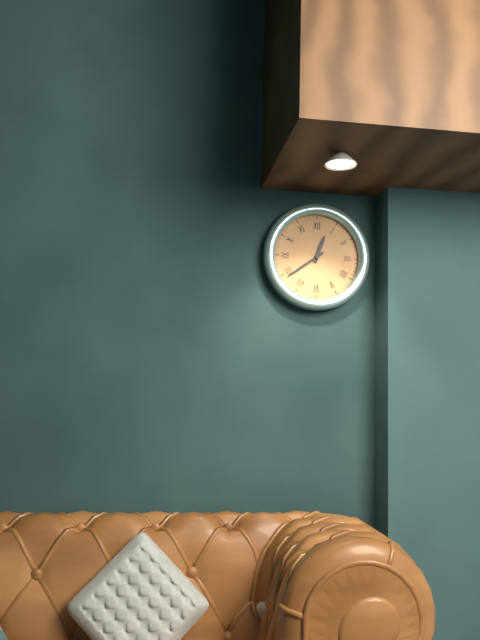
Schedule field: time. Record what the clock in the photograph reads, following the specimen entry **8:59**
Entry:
**12:39**
